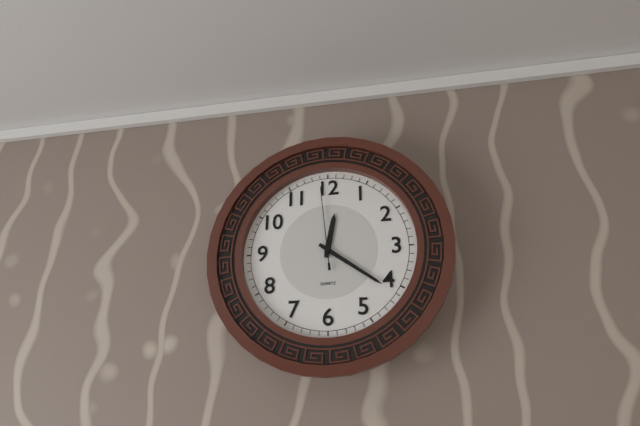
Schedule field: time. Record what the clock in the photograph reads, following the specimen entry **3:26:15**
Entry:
**12:21:59**
